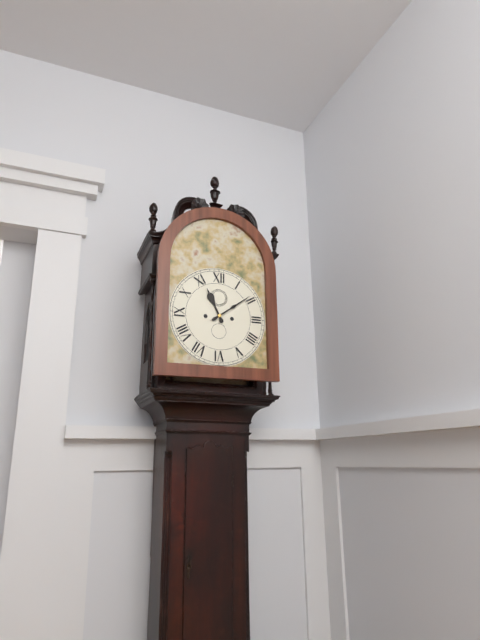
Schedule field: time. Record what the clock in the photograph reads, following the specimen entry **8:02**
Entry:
**11:09**
